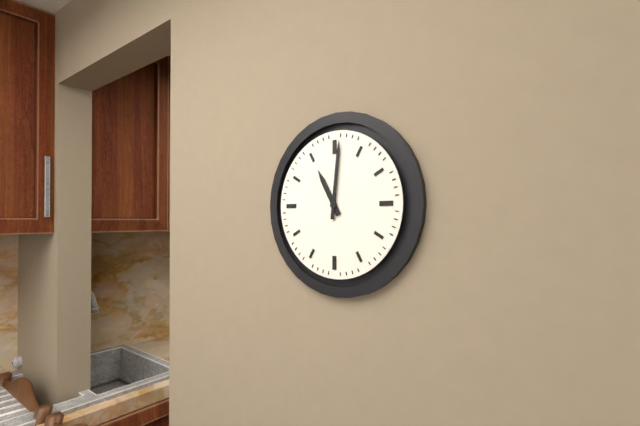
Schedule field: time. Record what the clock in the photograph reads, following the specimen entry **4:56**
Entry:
**11:01**
